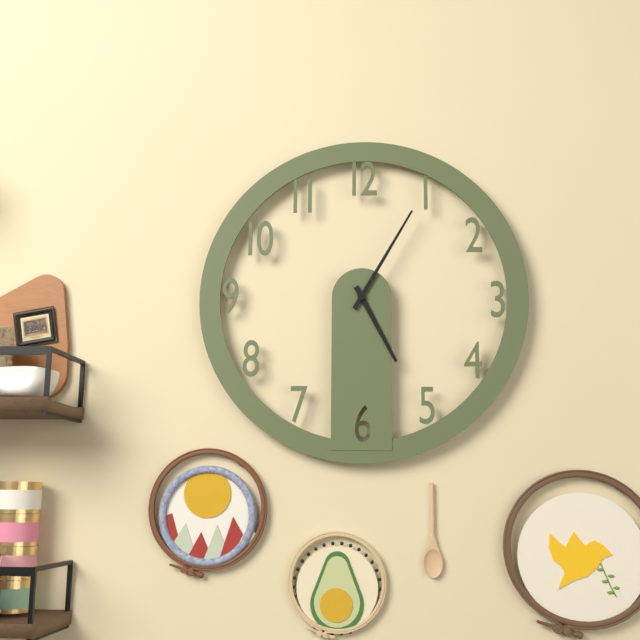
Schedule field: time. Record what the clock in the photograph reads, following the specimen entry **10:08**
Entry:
**5:05**
